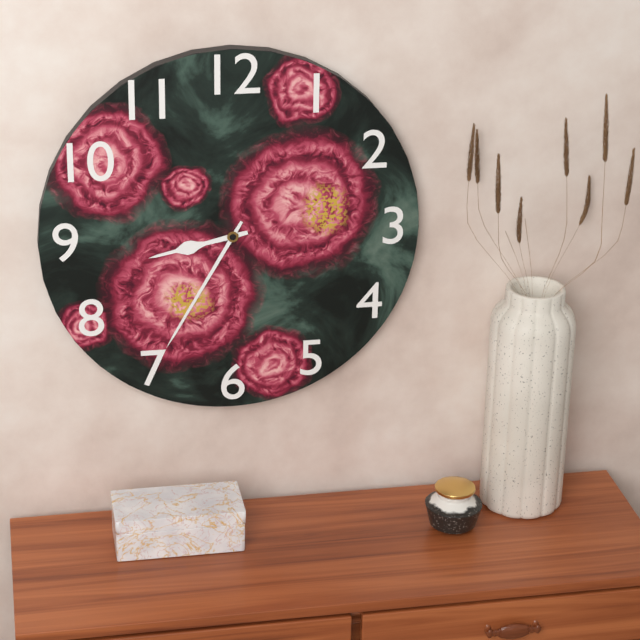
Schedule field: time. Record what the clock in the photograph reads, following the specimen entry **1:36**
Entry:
**8:35**
